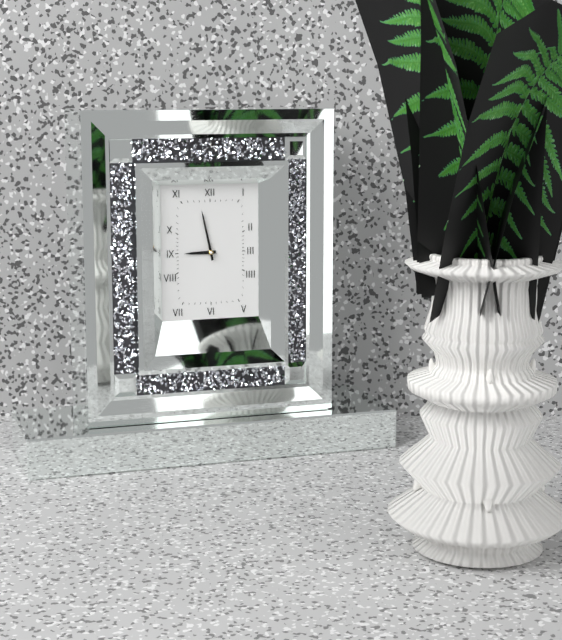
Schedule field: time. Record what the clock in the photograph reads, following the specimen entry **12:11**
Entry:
**8:58**
